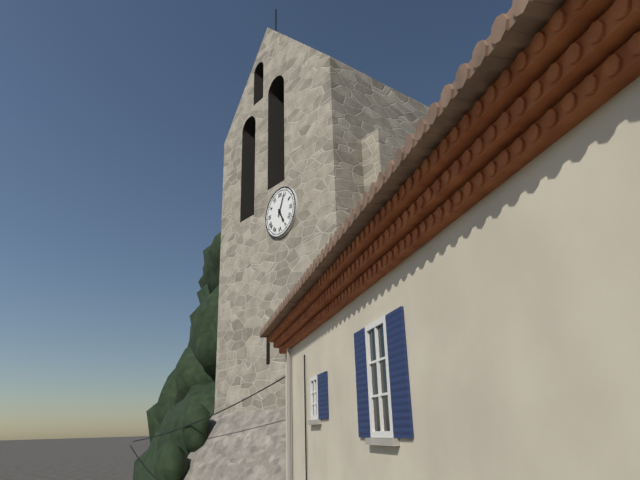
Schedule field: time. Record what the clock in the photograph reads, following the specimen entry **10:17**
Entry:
**5:04**
